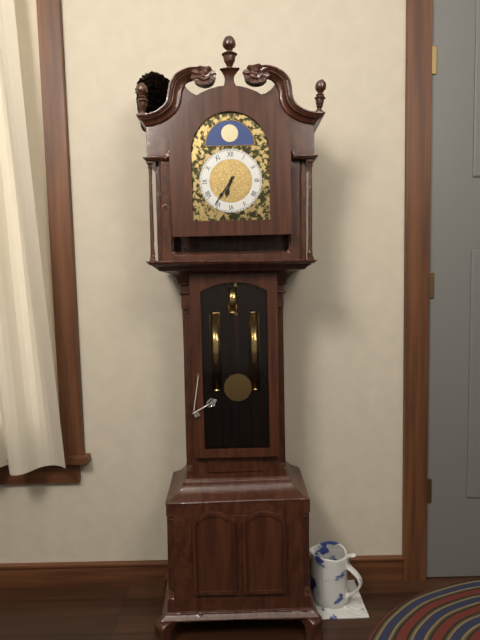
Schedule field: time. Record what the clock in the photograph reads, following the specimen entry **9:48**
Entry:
**6:36**
